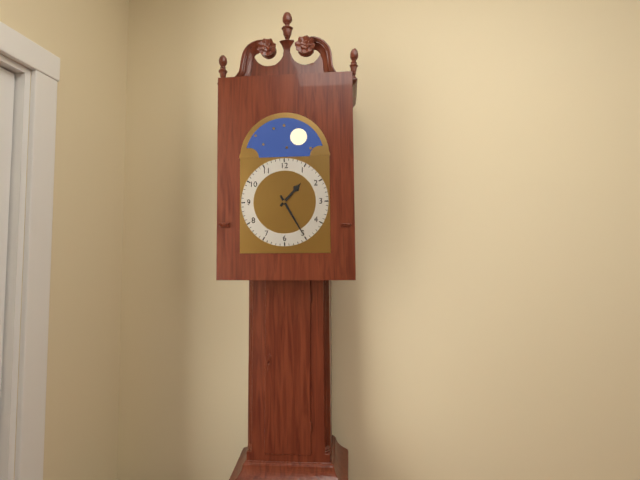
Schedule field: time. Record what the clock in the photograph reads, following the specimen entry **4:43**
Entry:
**1:25**
